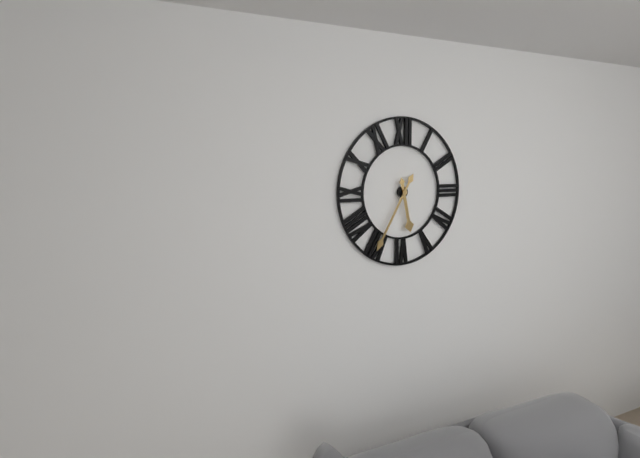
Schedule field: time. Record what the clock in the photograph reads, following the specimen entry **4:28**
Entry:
**5:35**
